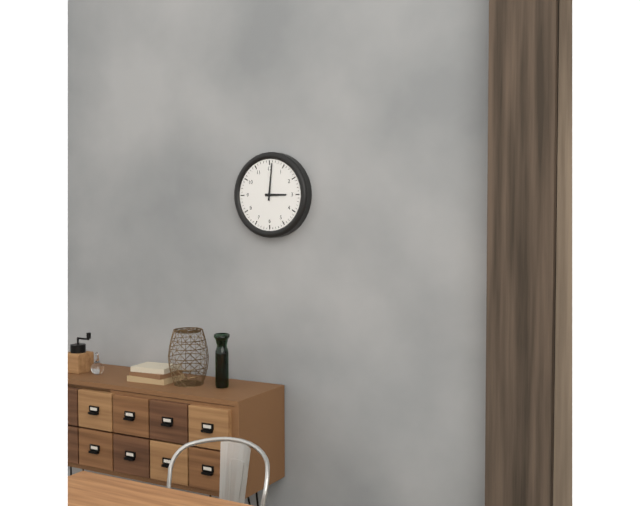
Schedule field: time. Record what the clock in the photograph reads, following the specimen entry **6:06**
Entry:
**3:01**
